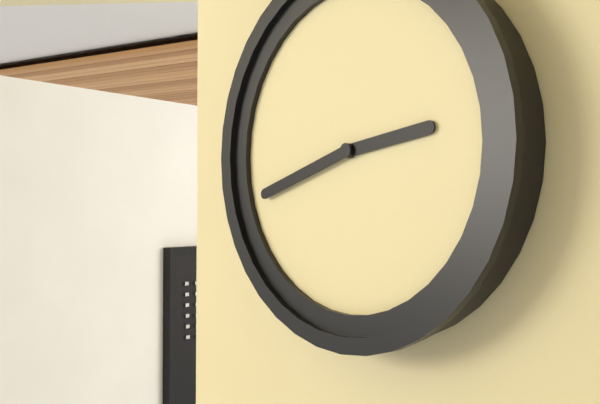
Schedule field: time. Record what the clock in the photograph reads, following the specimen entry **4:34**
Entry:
**2:42**
